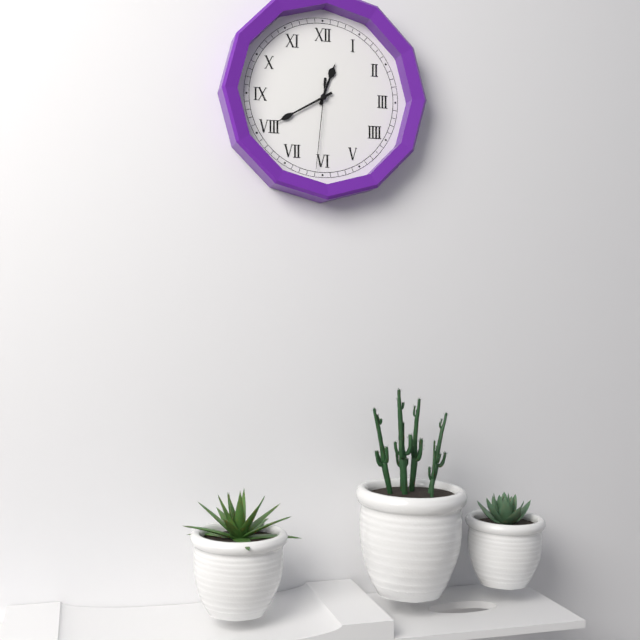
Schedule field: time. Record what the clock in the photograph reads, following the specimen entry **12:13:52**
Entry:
**12:40:31**
